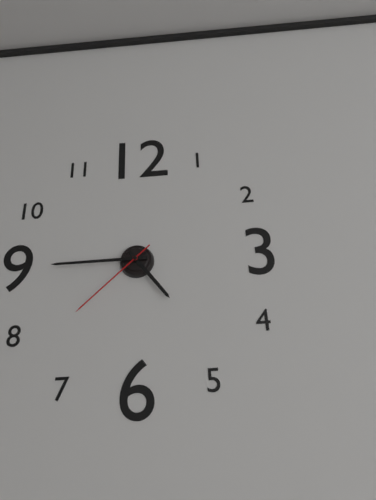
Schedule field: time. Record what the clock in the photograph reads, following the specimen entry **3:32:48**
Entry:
**4:45:38**
